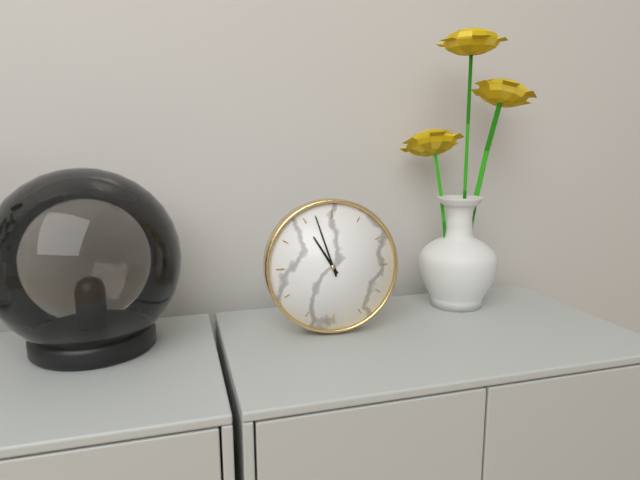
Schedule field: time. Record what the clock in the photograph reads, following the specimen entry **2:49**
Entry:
**10:57**
